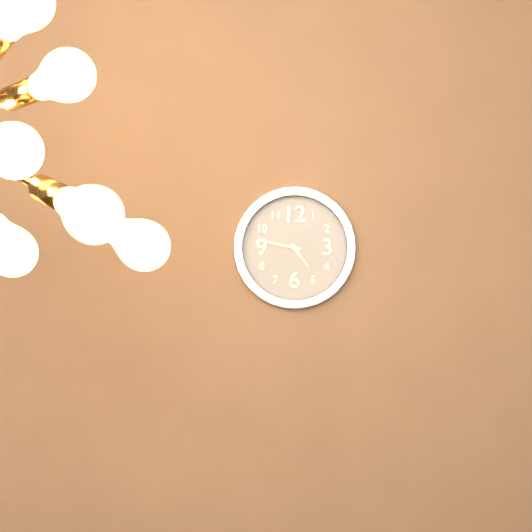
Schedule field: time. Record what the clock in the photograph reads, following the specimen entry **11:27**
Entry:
**4:47**
